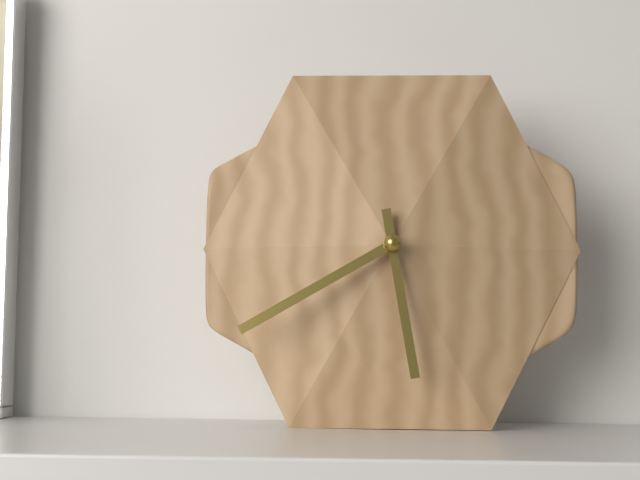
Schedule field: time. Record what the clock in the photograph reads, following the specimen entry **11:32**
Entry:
**5:40**
